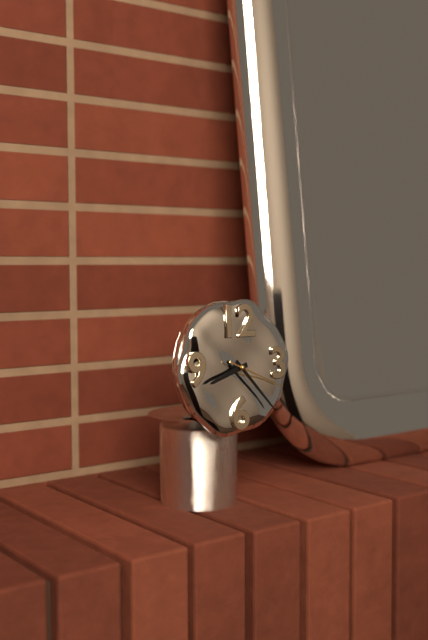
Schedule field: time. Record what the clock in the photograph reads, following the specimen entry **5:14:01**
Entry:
**8:23:19**
